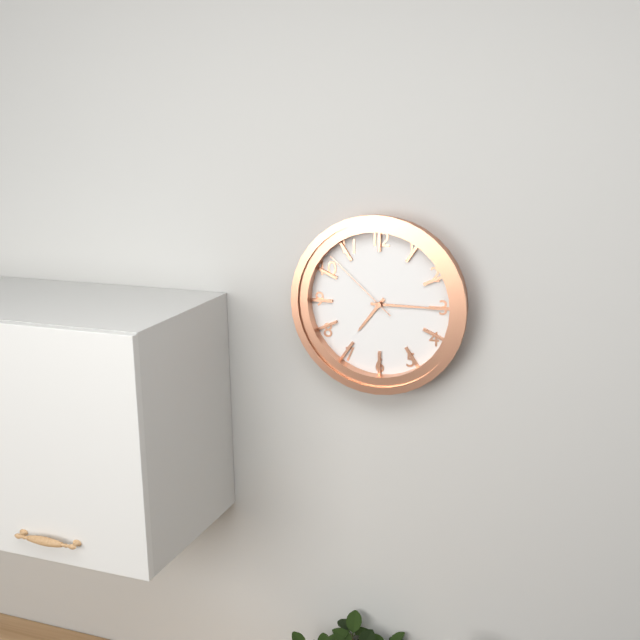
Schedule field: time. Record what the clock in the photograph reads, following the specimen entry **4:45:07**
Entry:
**7:15:52**
